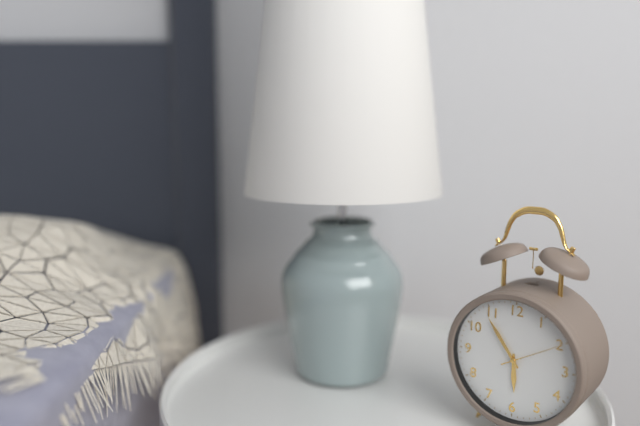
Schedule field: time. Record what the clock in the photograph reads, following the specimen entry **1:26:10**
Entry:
**5:54:10**
